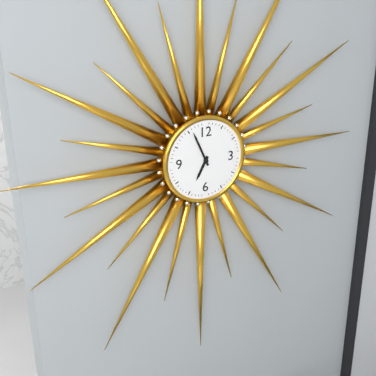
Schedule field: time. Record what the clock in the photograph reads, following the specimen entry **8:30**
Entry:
**6:56**
